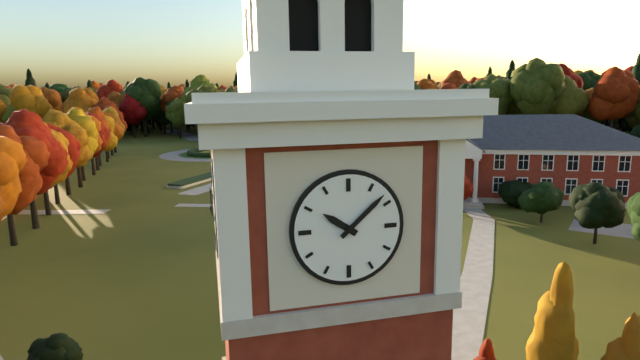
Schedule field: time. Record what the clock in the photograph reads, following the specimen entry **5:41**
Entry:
**10:08**
